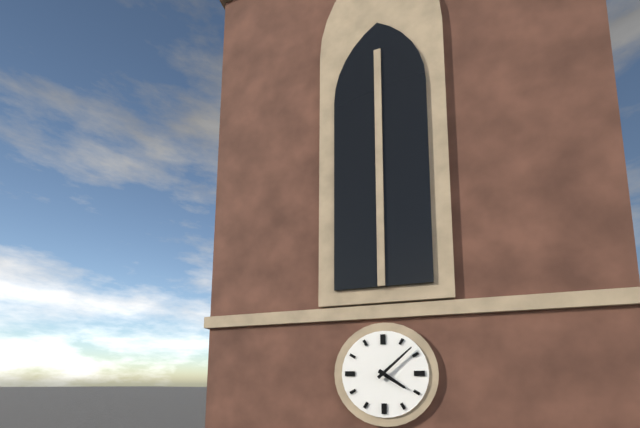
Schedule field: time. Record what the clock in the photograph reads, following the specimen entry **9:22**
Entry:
**4:08**
